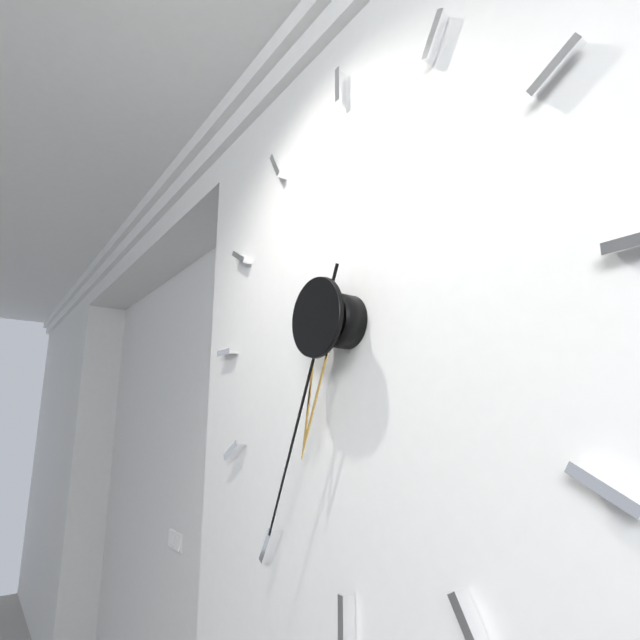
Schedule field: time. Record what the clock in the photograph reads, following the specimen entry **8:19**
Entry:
**6:34**
